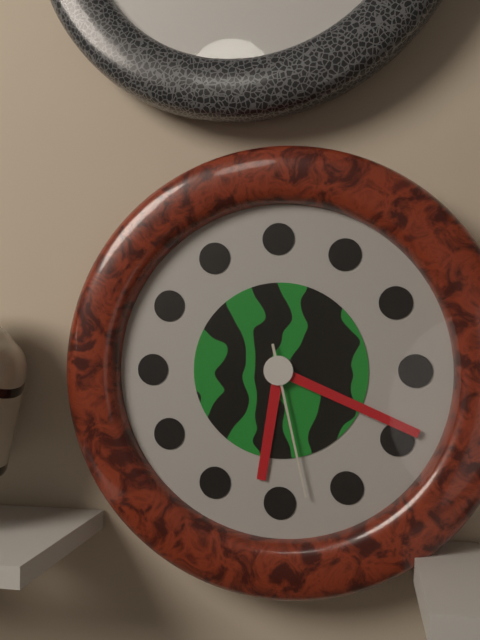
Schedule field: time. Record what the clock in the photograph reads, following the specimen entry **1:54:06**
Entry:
**6:19:28**
